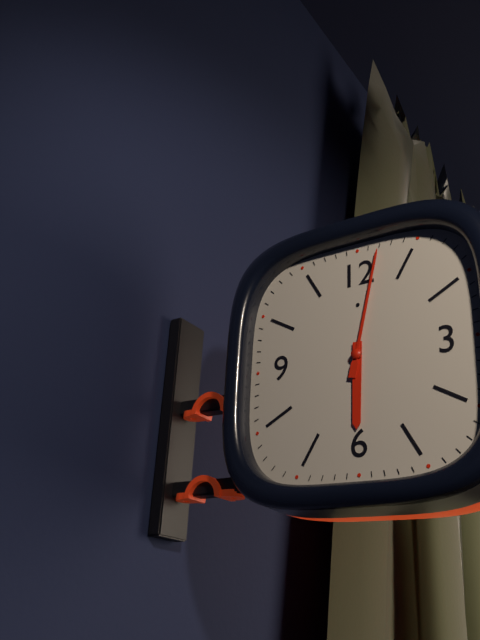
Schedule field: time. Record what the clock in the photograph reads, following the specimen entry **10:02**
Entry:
**6:02**
